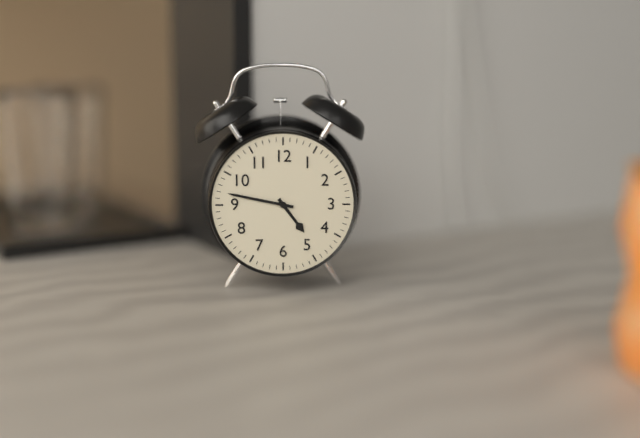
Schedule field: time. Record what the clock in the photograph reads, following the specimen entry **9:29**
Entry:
**4:47**
